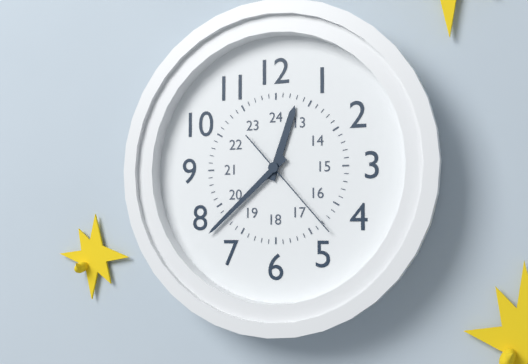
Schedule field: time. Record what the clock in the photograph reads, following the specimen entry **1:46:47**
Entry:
**12:38:23**
